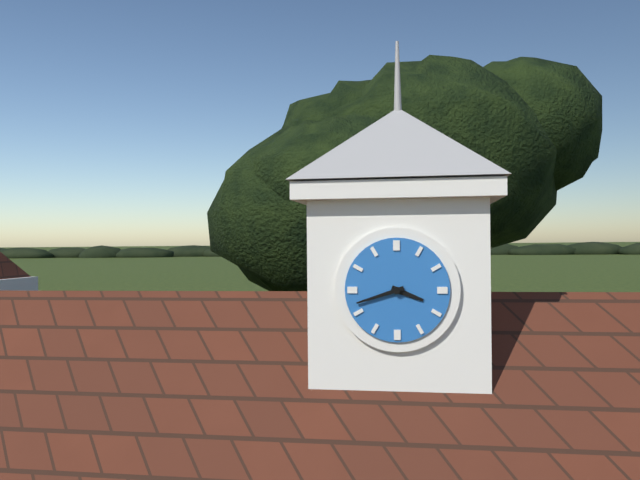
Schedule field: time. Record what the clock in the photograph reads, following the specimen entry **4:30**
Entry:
**3:42**
